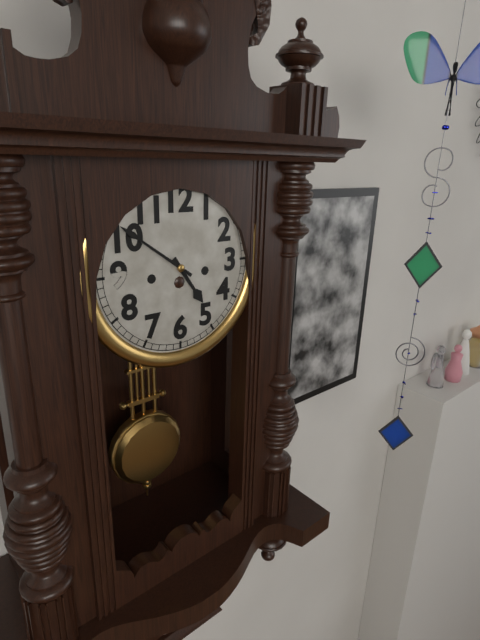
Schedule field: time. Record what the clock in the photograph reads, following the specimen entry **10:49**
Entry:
**4:51**
